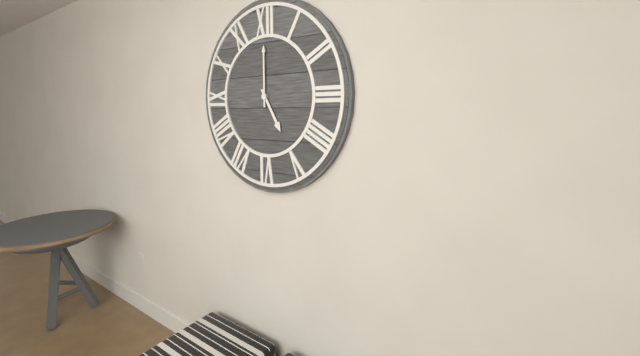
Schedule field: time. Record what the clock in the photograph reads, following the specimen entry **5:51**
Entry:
**5:00**
